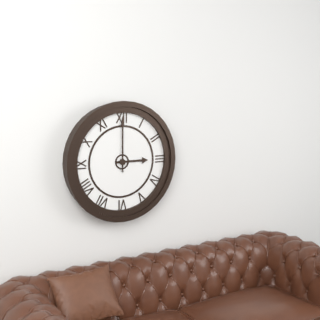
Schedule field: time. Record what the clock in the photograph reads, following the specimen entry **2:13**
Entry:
**3:00**
